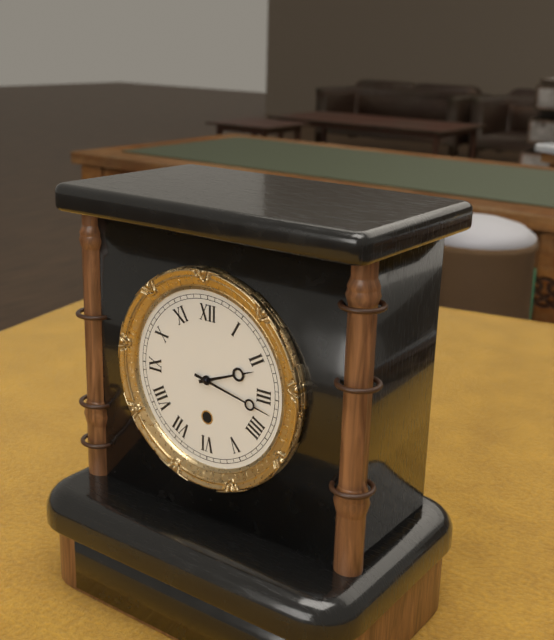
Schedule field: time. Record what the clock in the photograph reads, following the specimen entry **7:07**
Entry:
**2:17**
